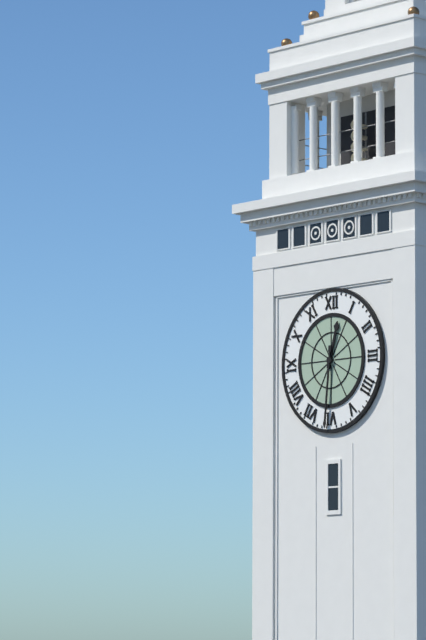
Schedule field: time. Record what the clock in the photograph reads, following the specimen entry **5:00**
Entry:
**12:31**
